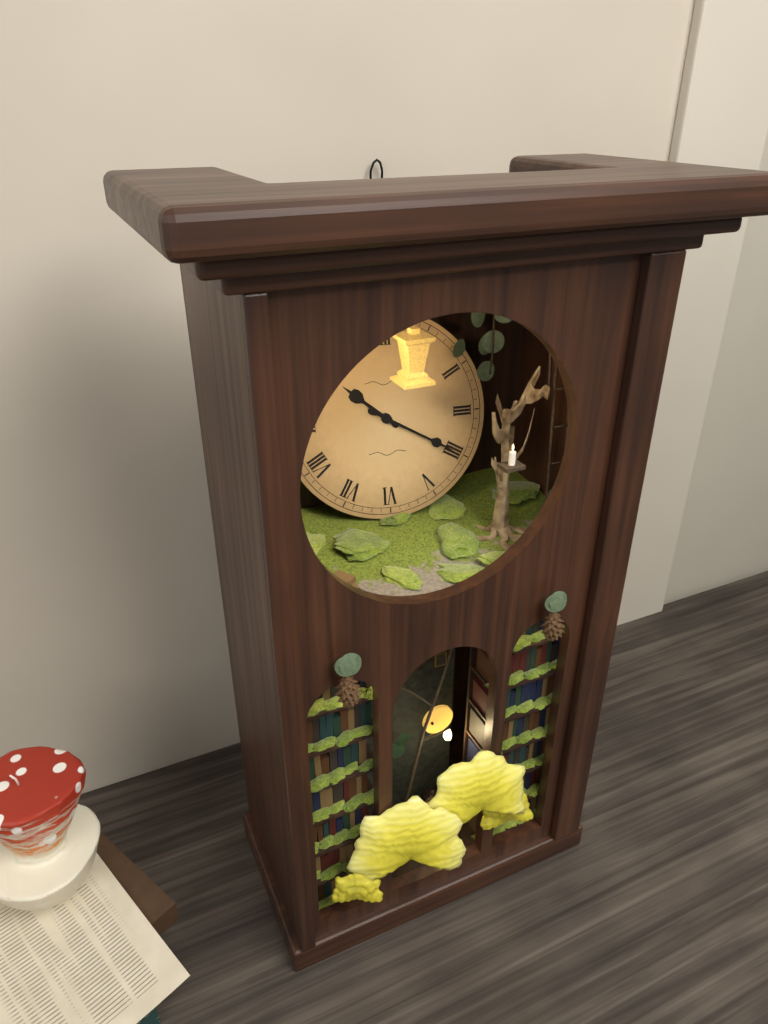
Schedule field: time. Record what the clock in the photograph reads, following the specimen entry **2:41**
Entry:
**10:20**
